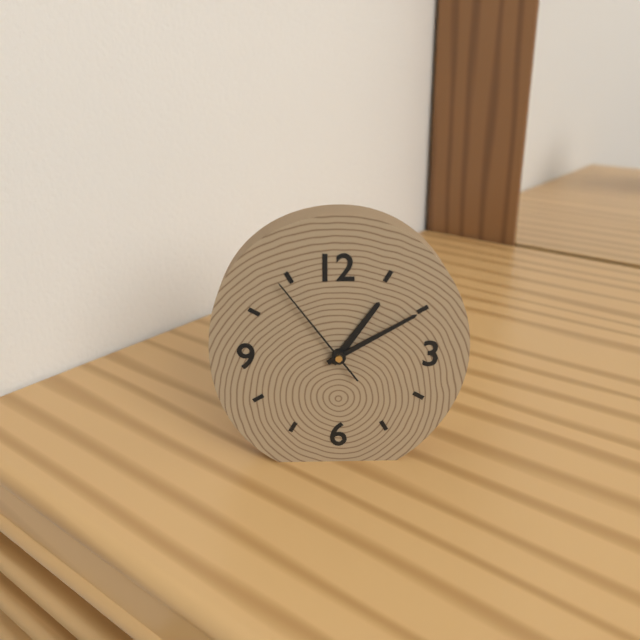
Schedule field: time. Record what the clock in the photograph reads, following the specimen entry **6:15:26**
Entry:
**1:10:54**
